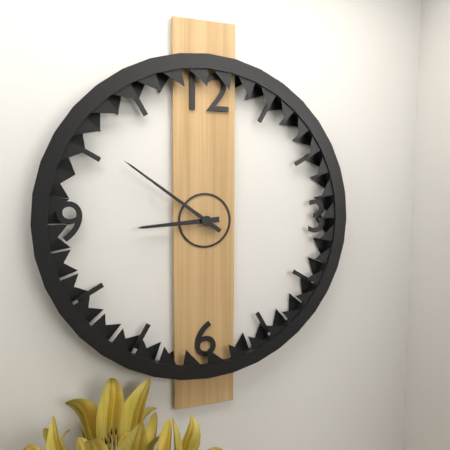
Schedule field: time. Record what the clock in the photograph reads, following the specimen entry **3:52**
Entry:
**8:51**
